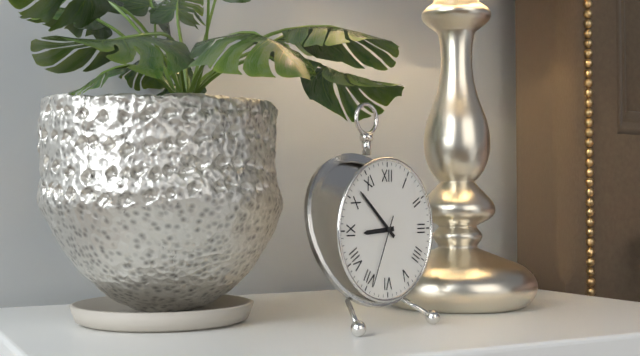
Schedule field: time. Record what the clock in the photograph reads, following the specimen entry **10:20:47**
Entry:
**8:52:34**
